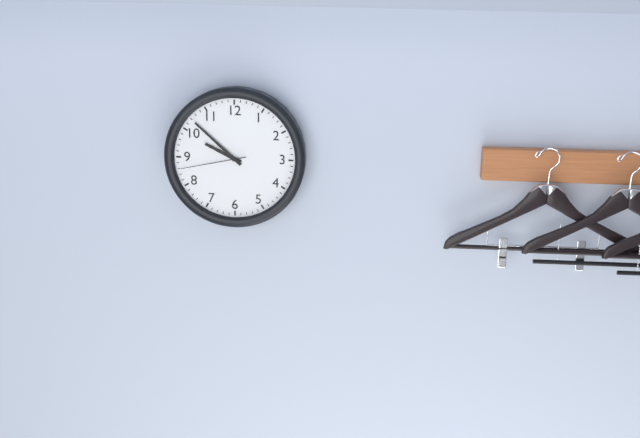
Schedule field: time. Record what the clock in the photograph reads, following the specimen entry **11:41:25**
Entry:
**9:52:43**
